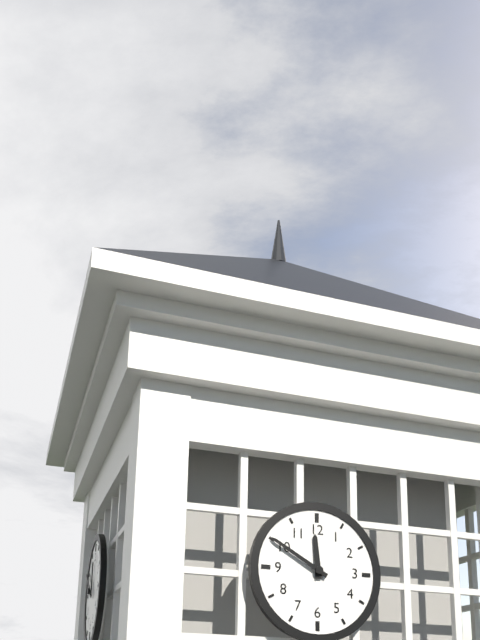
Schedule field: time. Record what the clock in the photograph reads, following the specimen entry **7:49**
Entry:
**11:50**
